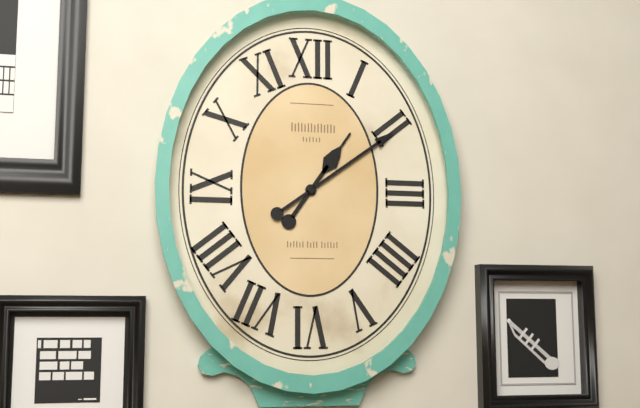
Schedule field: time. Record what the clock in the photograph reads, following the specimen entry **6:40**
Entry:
**1:09**
